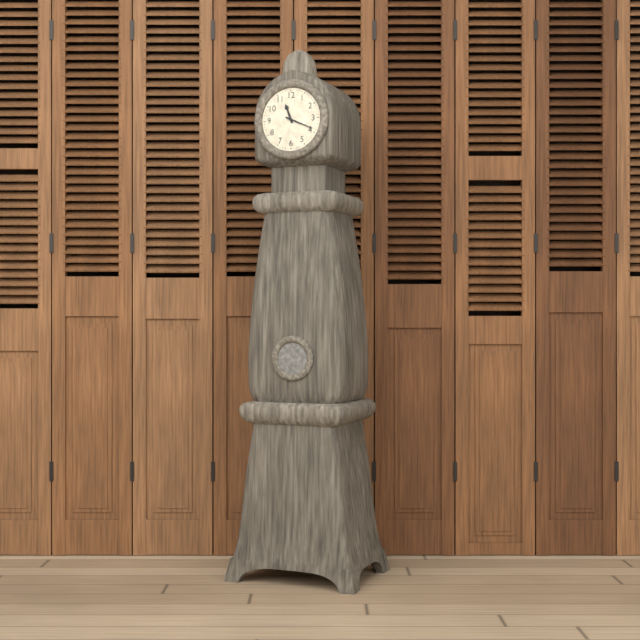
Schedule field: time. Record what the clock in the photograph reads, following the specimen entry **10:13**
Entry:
**11:19**
